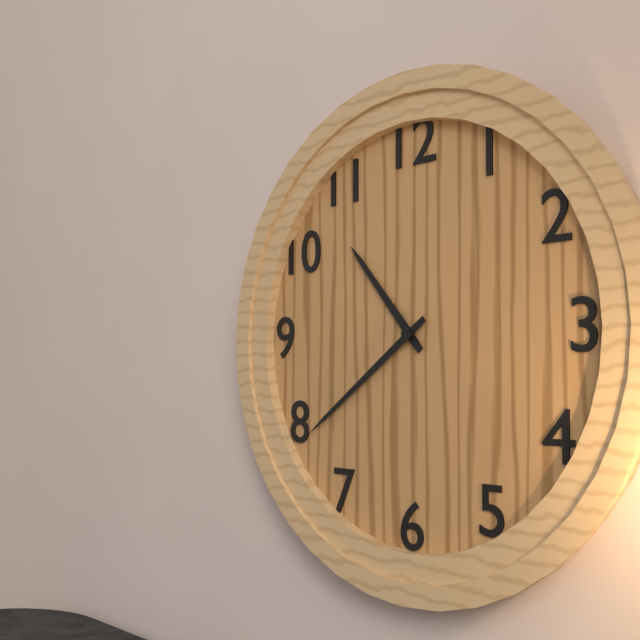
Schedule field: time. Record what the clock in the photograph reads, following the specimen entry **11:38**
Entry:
**10:39**
